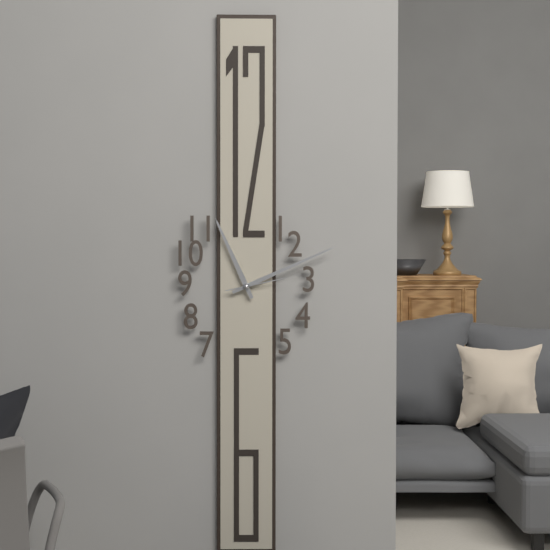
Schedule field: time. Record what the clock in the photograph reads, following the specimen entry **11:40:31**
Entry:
**11:11:13**
